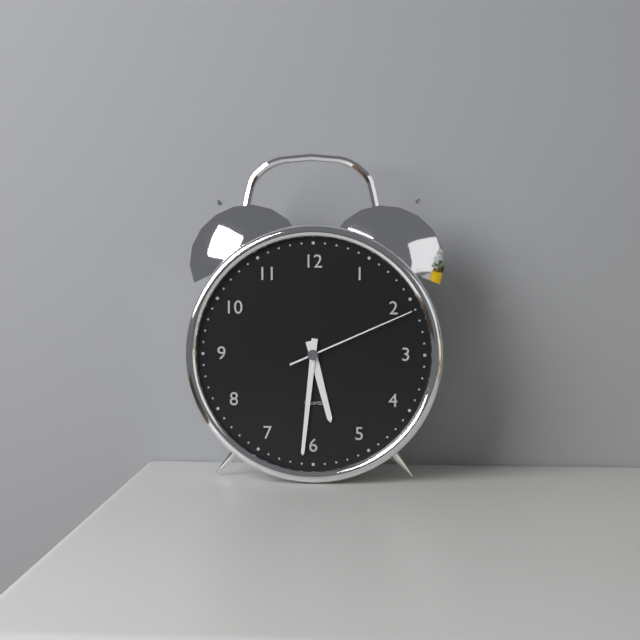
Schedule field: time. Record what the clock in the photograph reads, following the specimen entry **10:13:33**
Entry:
**5:31:11**
